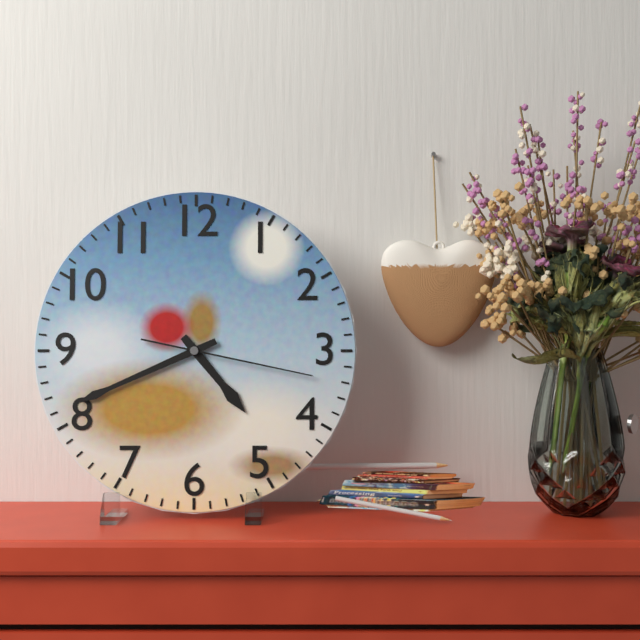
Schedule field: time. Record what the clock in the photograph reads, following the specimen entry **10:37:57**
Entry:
**4:41:17**
